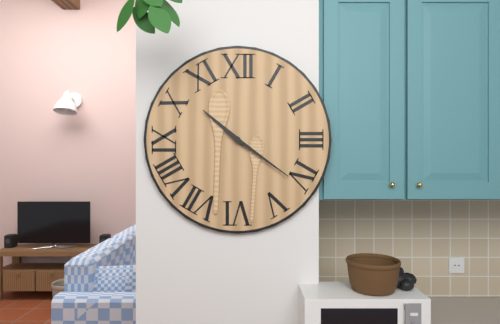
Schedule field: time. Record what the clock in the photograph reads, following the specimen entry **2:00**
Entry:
**10:21**
